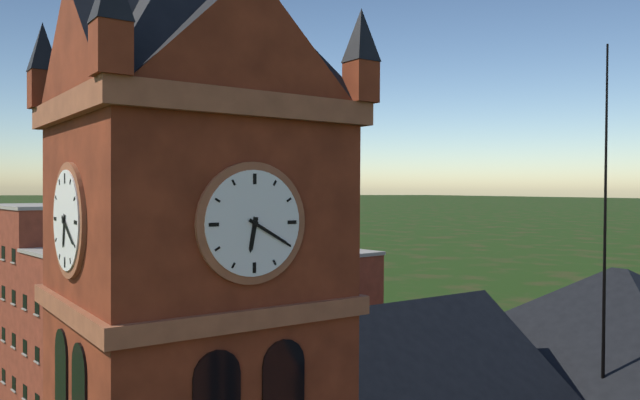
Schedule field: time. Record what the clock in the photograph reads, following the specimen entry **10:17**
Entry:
**6:20**
